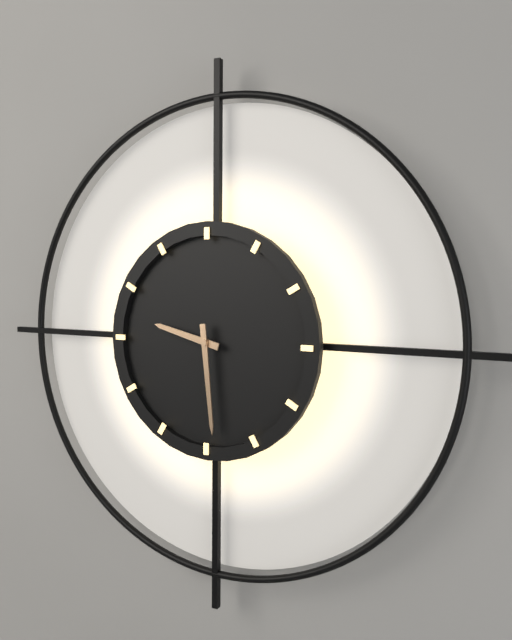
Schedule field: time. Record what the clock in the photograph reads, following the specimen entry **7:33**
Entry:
**9:29**
